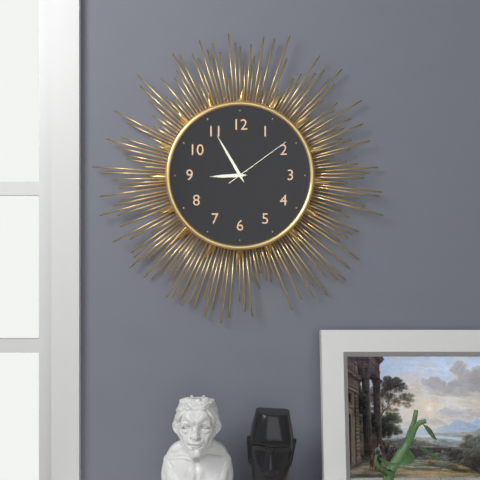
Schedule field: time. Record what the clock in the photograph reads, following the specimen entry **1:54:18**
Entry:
**8:55:09**
